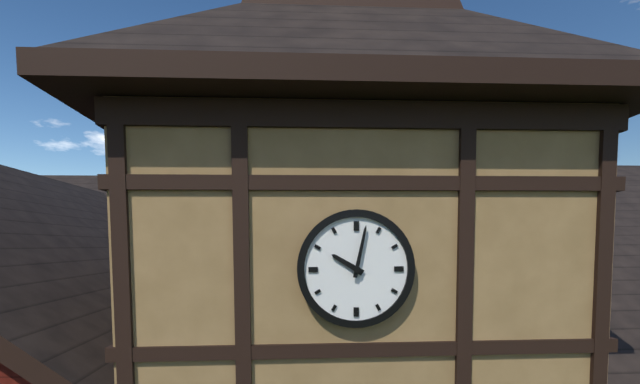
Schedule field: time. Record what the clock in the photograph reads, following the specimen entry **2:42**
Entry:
**10:02**
